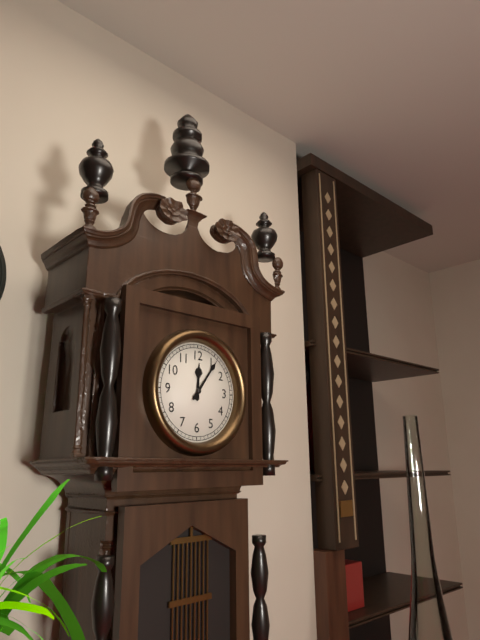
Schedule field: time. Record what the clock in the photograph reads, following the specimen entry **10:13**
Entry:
**12:06**
